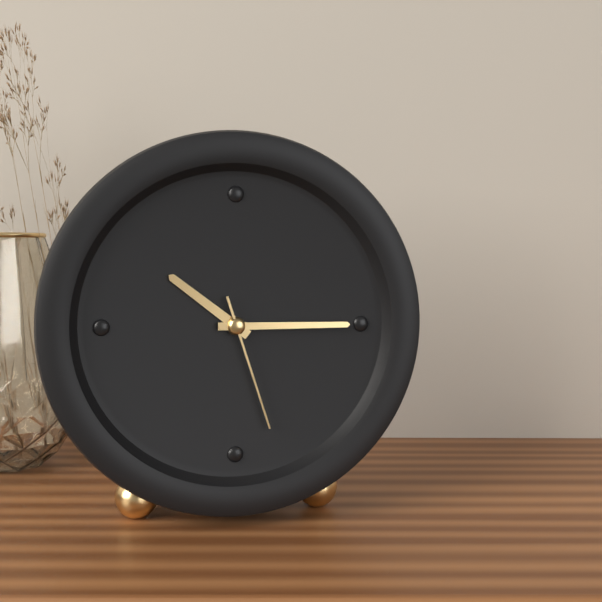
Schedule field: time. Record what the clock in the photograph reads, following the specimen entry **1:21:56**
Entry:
**10:15:27**
